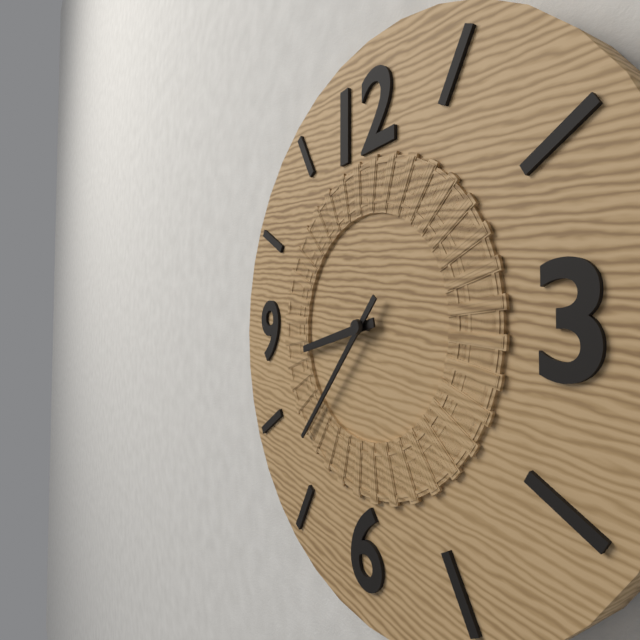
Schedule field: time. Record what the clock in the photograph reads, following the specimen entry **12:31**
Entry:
**8:37**
